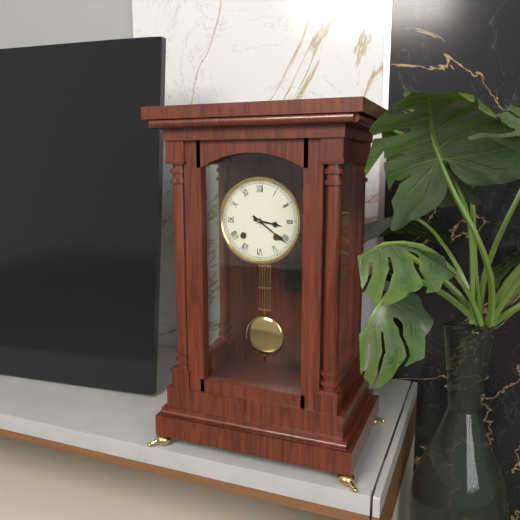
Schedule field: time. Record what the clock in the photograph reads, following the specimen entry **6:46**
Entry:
**3:21**
